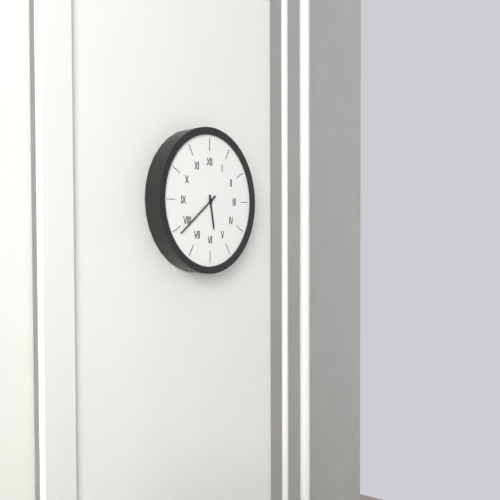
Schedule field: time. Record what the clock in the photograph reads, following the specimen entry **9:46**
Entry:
**5:39**
